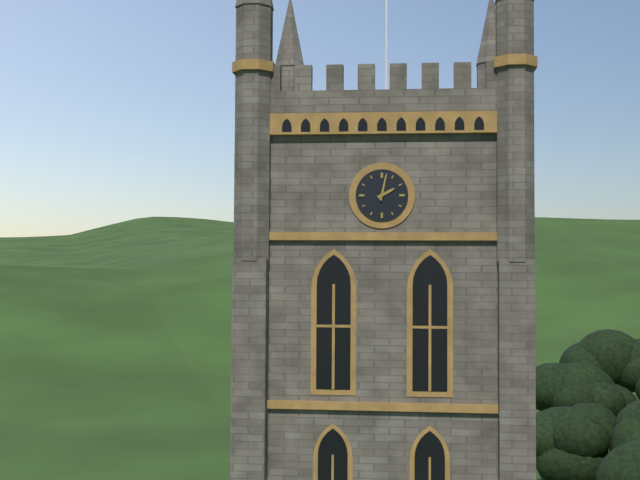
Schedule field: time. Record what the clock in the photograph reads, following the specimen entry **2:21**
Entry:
**2:02**
